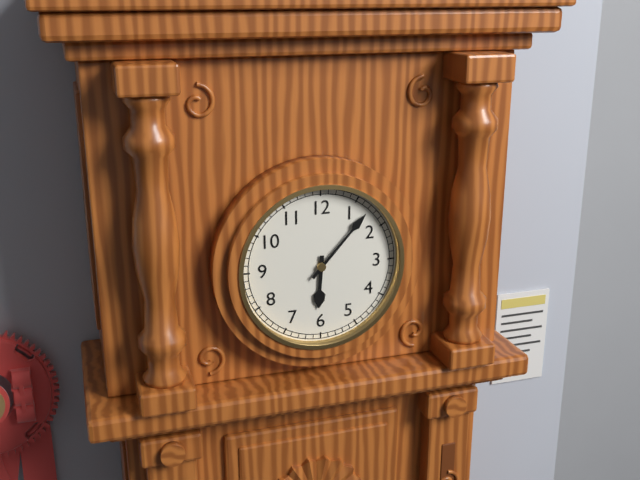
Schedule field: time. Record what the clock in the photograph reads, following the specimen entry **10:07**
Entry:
**6:07**
